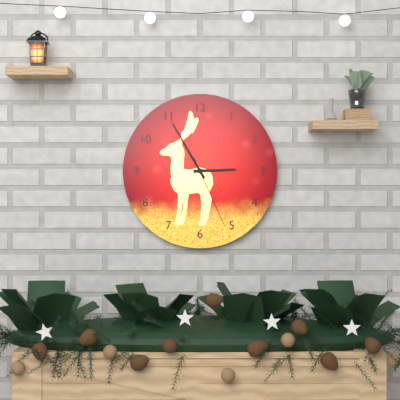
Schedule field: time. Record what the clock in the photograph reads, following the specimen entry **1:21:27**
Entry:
**2:55:26**
